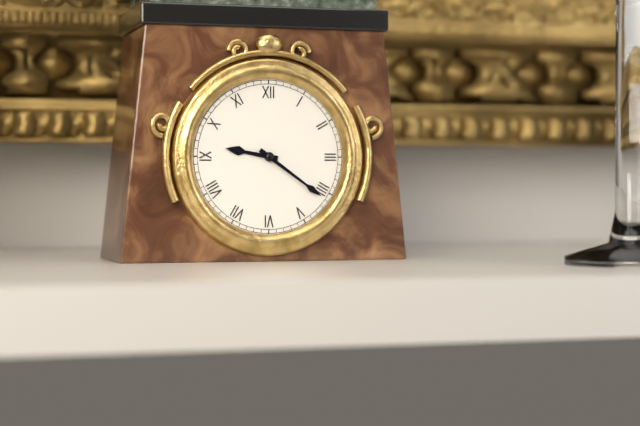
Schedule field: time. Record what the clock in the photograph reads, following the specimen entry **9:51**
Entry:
**9:21**
